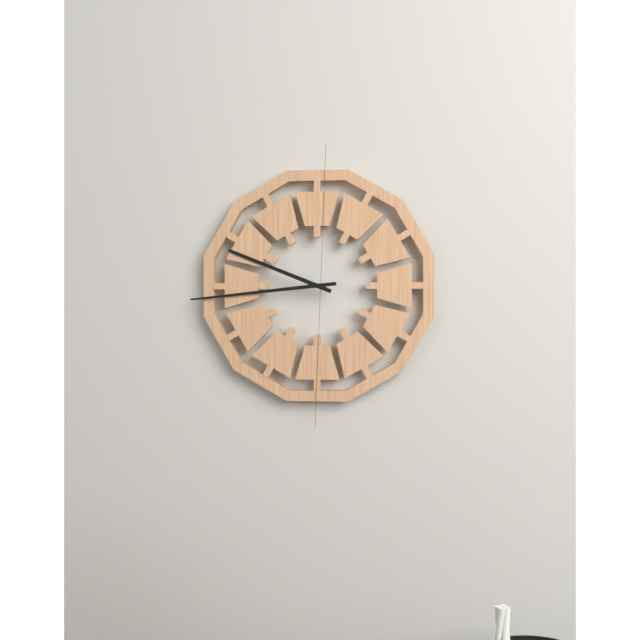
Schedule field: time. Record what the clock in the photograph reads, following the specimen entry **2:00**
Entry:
**9:44**
